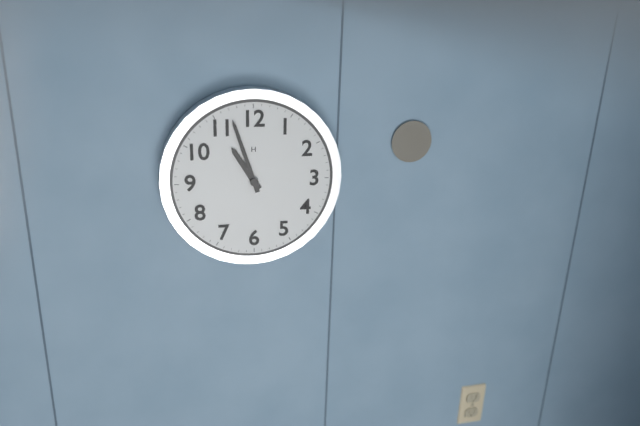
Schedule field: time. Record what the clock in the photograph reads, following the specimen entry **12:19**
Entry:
**10:57**
